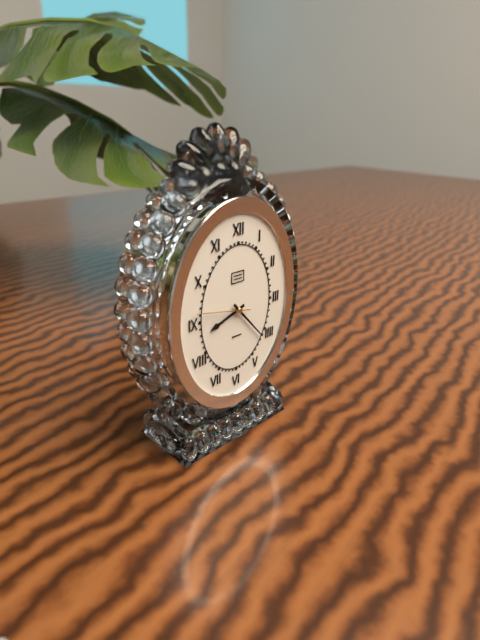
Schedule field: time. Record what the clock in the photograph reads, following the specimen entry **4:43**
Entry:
**8:23**
